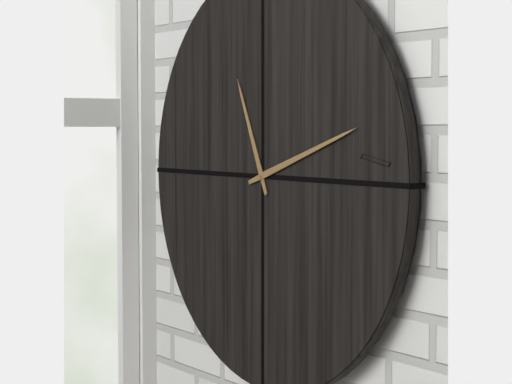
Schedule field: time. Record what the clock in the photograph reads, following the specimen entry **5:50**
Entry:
**11:12**
